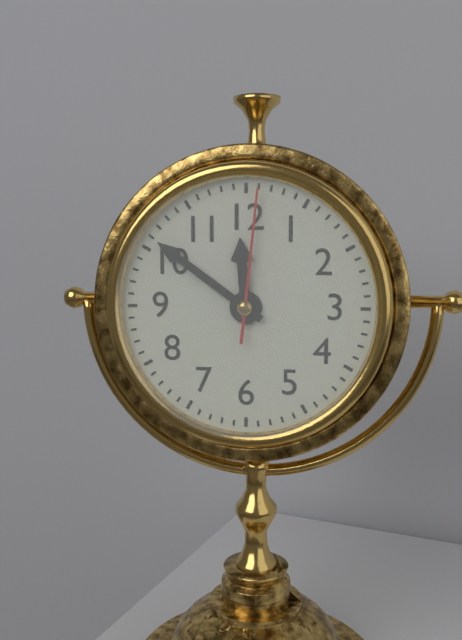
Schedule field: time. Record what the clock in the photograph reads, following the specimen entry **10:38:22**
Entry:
**11:51:01**
